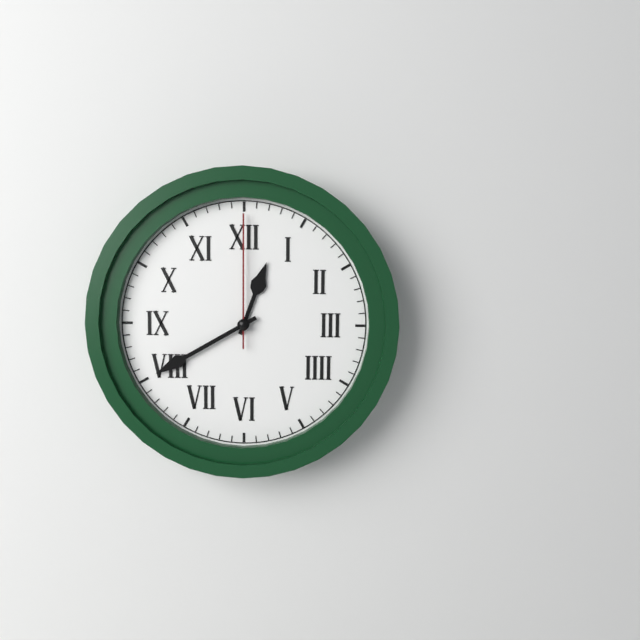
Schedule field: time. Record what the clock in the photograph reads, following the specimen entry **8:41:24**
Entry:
**12:40:00**
